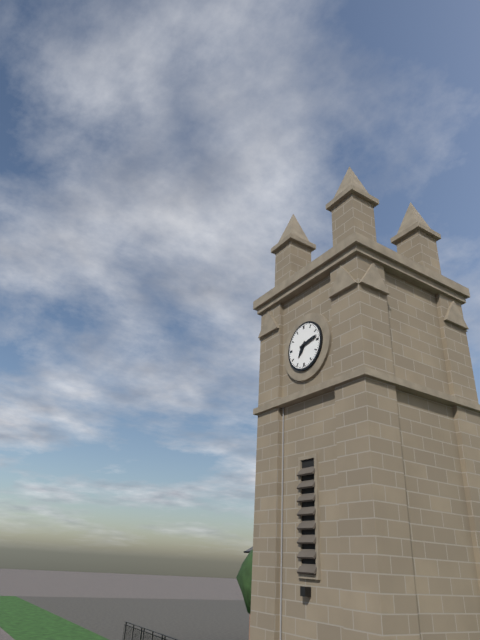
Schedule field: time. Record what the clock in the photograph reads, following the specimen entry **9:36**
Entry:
**7:13**
